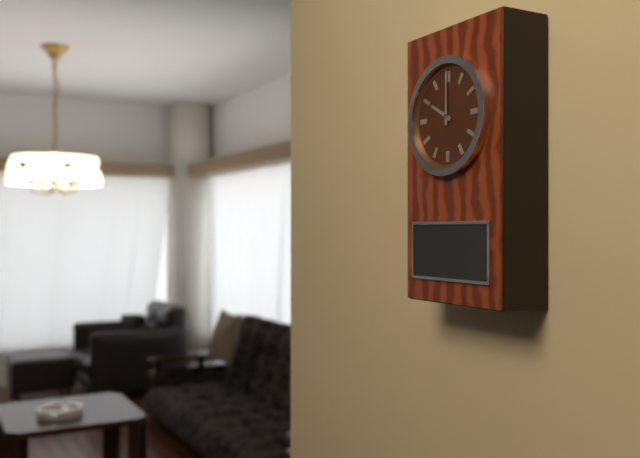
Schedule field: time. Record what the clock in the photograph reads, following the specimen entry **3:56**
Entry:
**10:00**
